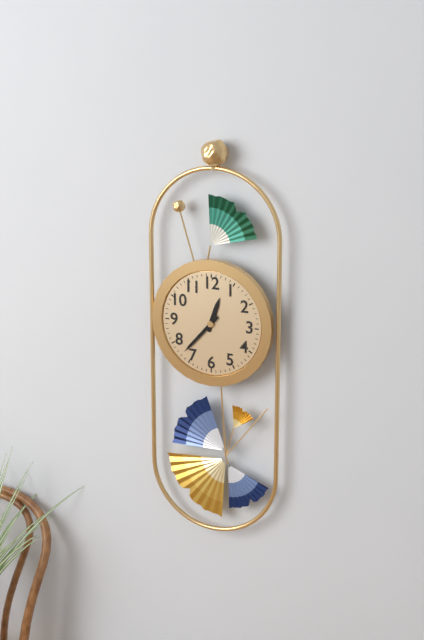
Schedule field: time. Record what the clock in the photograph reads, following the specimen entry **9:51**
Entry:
**12:37**
